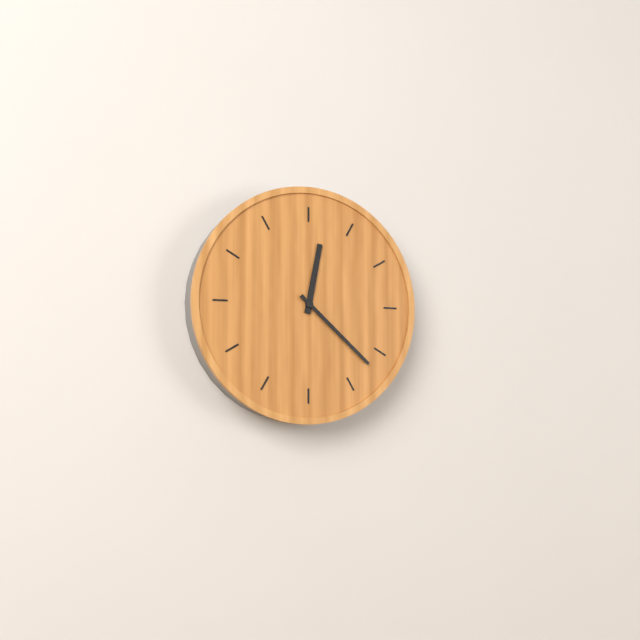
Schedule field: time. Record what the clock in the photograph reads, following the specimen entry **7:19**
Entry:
**12:22**
